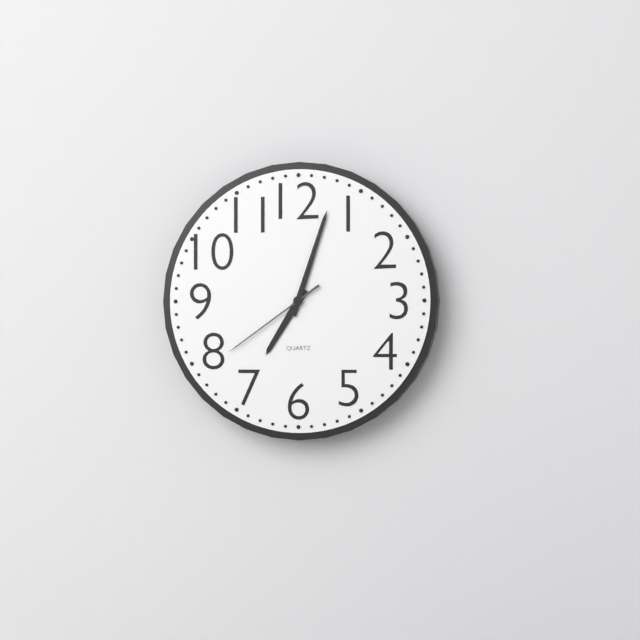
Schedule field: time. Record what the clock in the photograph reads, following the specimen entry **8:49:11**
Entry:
**7:03:39**
